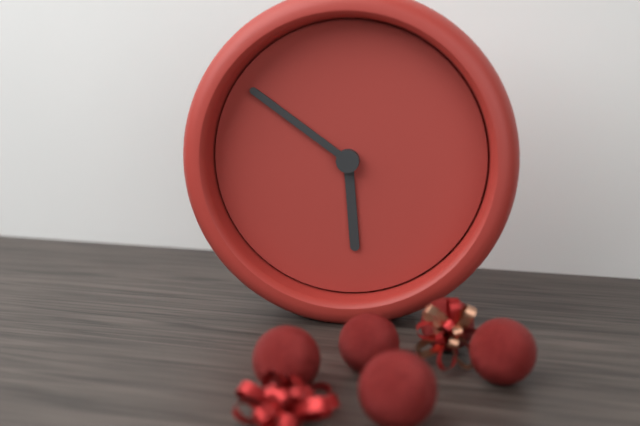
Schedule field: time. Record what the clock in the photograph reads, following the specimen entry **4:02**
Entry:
**5:51**
